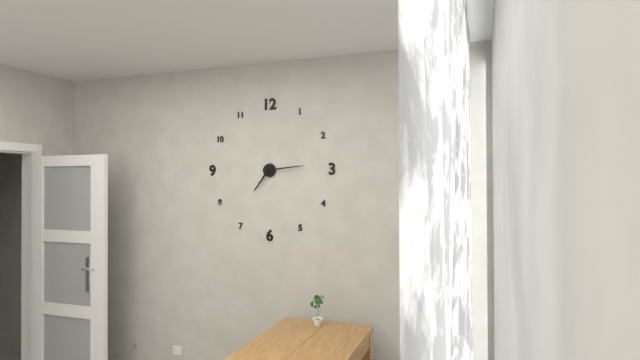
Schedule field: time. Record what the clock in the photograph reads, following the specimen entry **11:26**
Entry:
**7:14**
